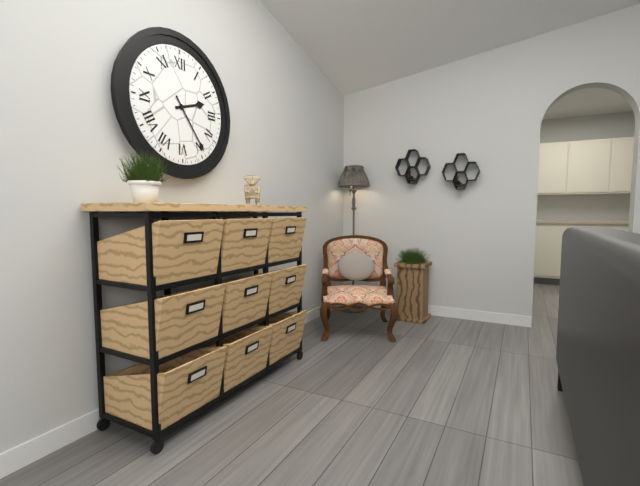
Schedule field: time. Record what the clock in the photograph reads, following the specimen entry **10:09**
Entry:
**2:24**
